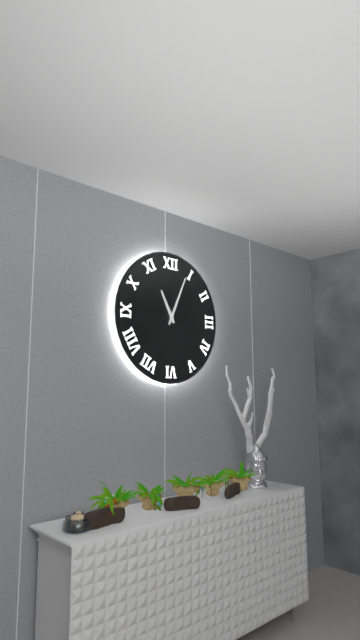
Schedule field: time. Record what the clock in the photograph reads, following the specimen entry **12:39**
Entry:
**11:04**
